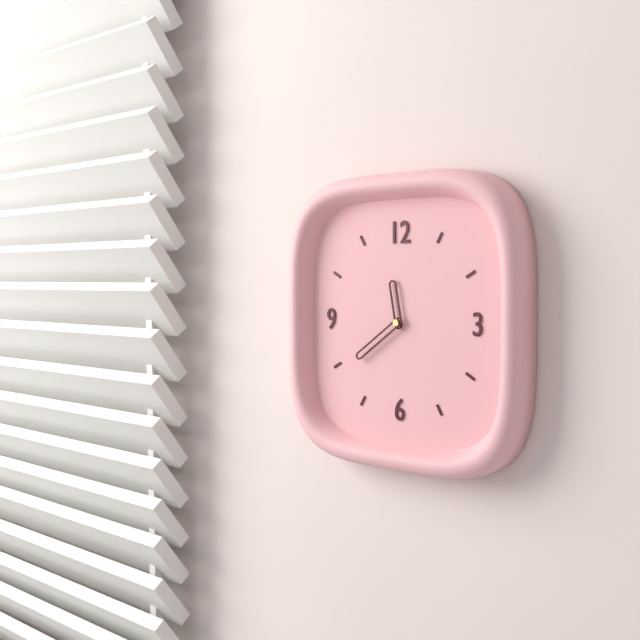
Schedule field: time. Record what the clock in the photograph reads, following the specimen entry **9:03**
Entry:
**11:39**
